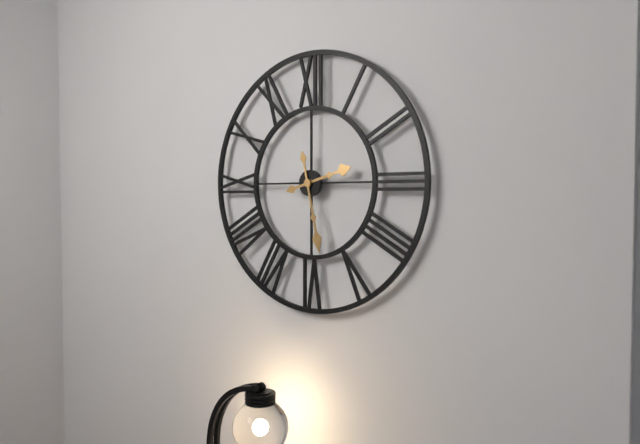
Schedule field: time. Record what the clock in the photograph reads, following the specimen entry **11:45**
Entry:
**2:28**
